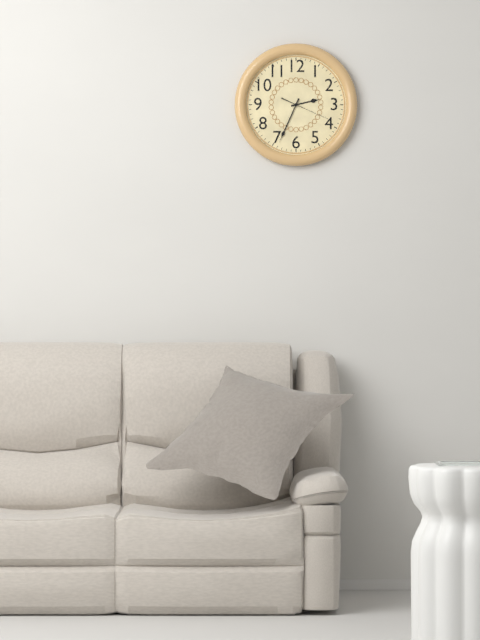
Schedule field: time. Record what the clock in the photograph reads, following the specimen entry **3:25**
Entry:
**2:34**
